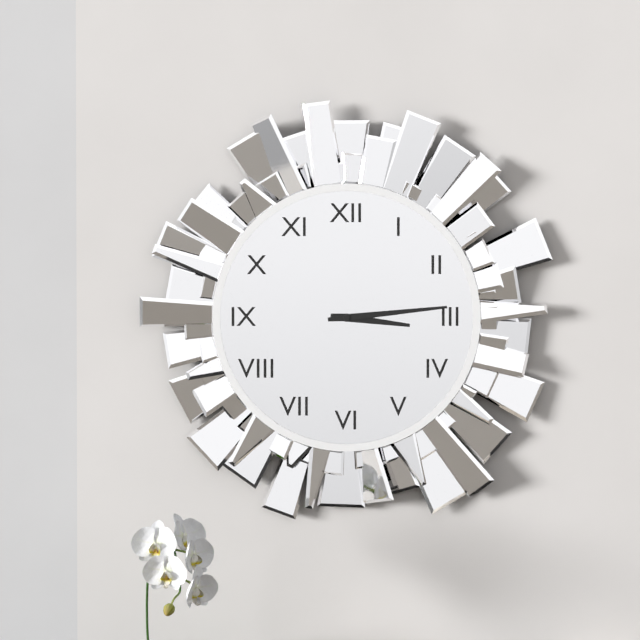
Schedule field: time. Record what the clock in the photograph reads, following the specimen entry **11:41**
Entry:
**3:14**
